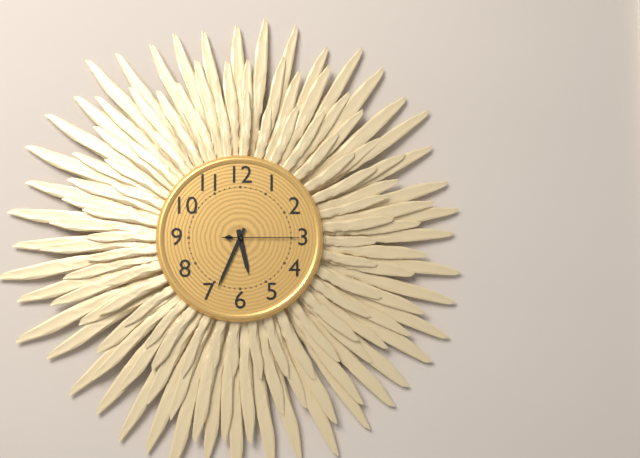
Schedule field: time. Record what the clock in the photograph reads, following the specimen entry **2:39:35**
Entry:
**5:34:15**
